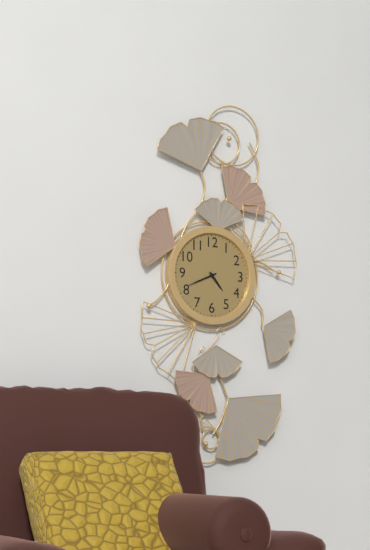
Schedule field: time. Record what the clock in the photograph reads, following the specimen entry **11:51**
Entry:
**4:41**
